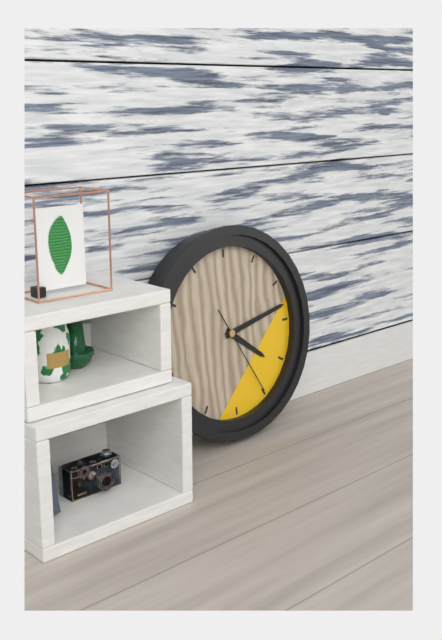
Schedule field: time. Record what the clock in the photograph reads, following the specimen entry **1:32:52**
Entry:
**4:13:25**
